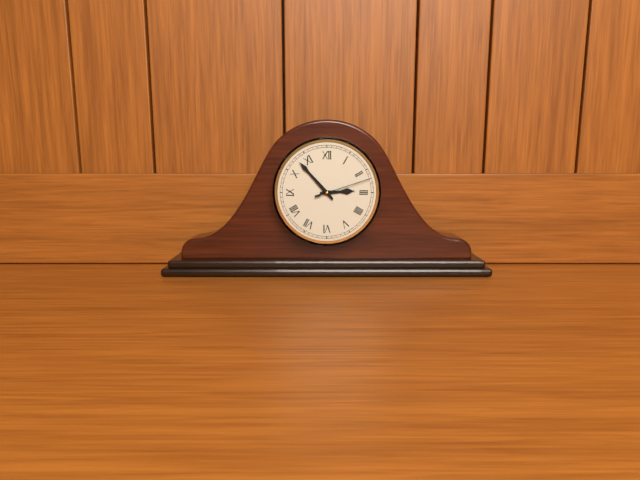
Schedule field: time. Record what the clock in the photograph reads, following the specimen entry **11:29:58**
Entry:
**2:53:12**
